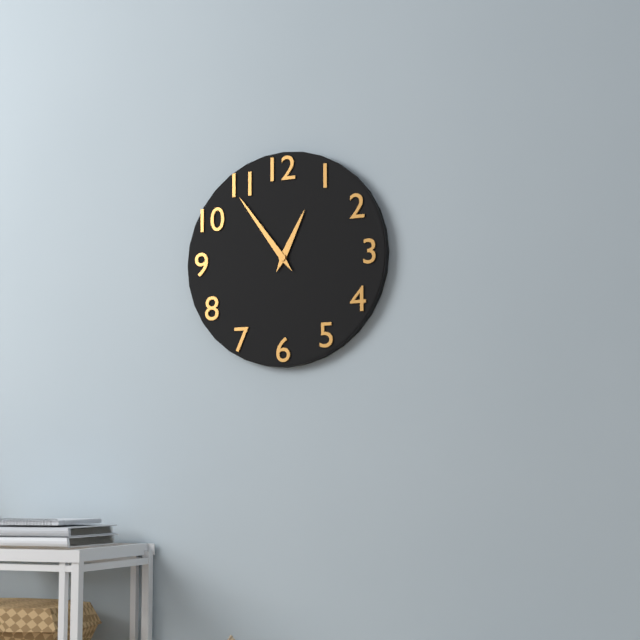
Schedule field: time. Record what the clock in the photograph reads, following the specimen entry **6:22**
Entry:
**12:54**
